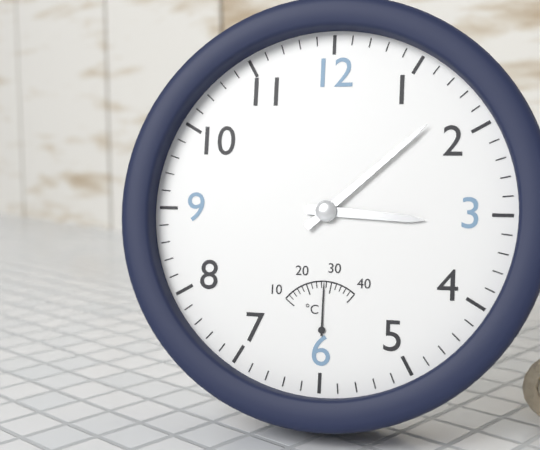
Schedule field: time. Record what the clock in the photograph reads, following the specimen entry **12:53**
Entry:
**3:08**
